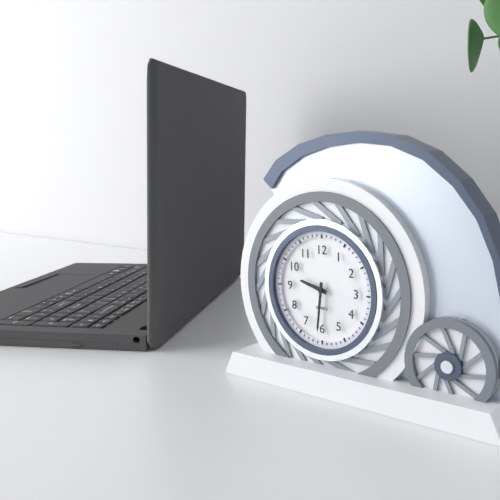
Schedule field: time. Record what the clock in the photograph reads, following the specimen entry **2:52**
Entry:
**9:31**
